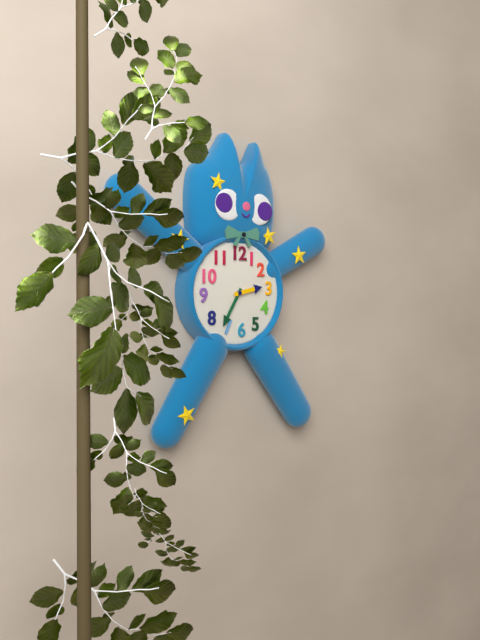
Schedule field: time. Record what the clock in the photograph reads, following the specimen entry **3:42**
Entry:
**2:35**
